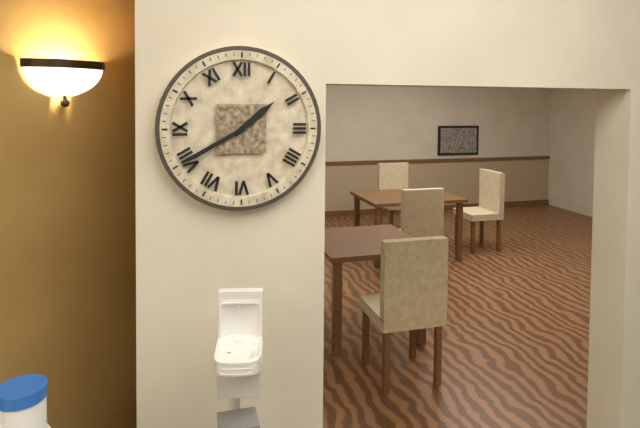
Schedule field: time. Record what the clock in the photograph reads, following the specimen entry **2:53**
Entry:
**1:40**
